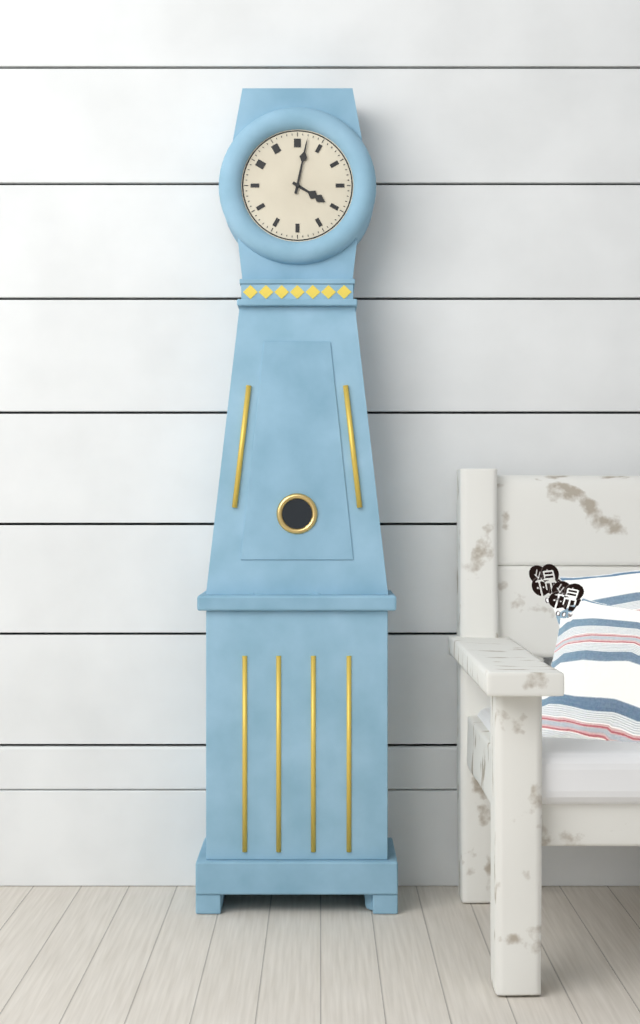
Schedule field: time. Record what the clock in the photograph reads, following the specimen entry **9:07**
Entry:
**4:02**
